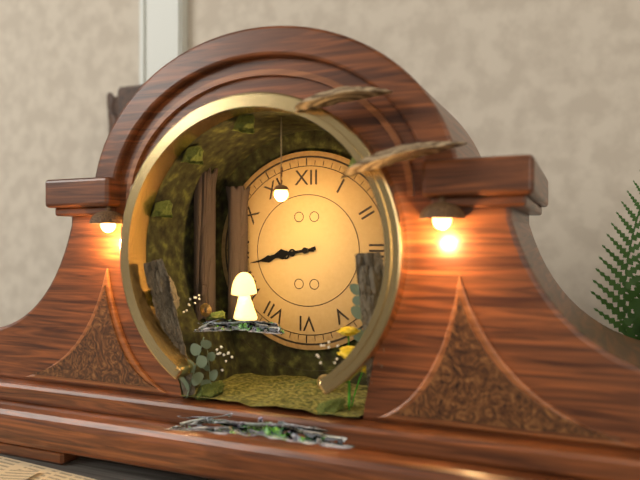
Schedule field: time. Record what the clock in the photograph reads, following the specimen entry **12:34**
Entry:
**8:43**
